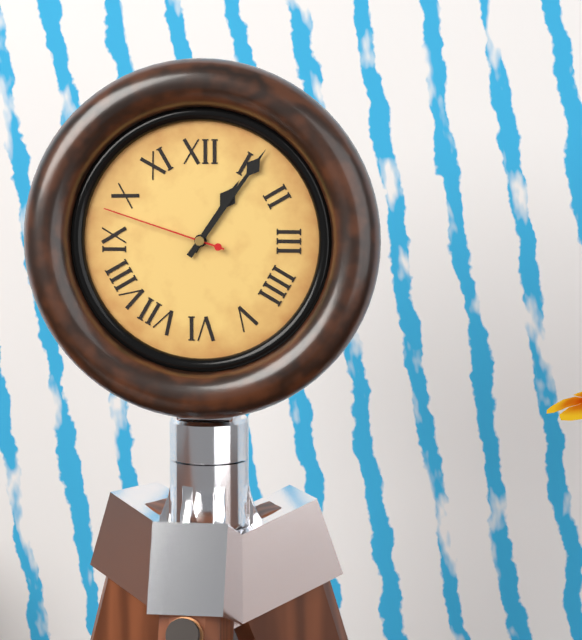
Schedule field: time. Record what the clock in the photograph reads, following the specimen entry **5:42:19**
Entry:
**1:06:48**
